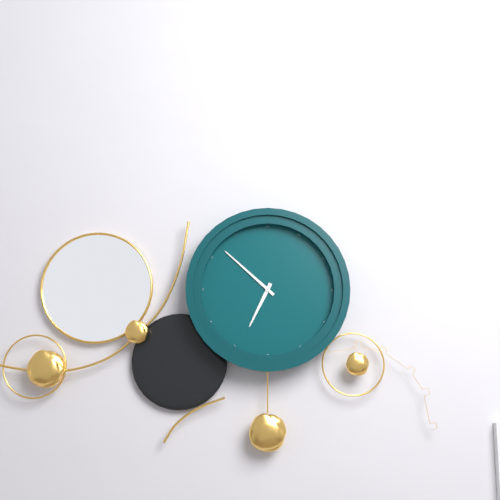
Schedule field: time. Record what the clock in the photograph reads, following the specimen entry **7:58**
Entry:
**6:52**
